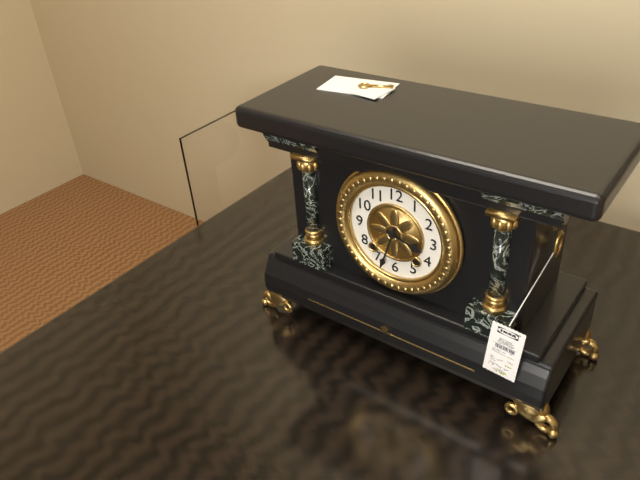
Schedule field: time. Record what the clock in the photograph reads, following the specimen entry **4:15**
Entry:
**3:33**
